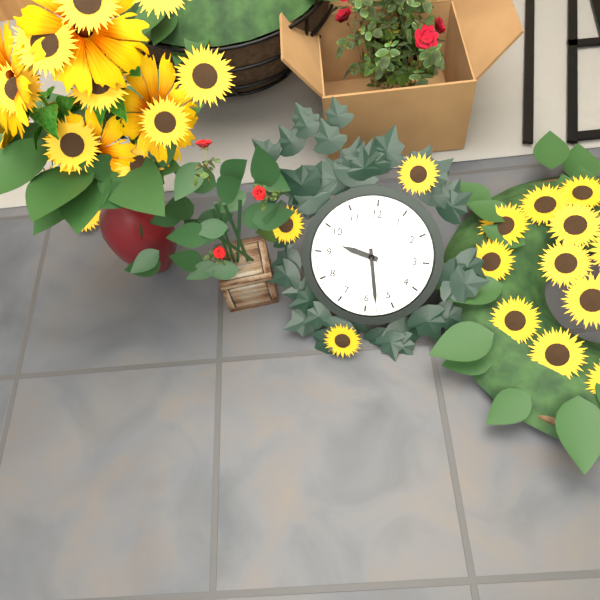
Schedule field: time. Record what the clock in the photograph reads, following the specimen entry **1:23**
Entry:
**9:28**
